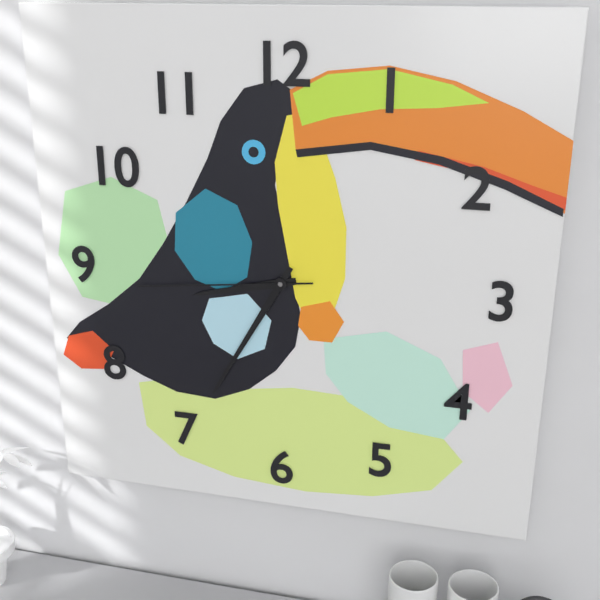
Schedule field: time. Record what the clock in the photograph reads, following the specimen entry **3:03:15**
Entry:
**8:35:44**
